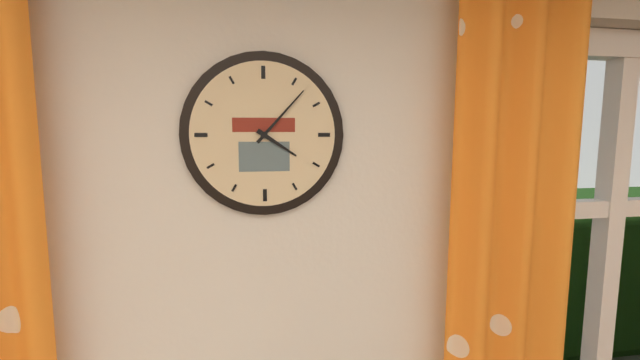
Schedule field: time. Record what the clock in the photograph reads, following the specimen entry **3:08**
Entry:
**4:07**
